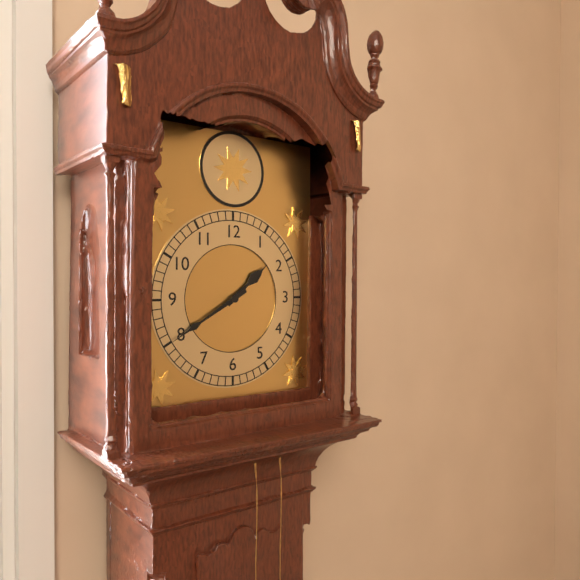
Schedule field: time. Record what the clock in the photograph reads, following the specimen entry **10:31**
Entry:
**1:40**
